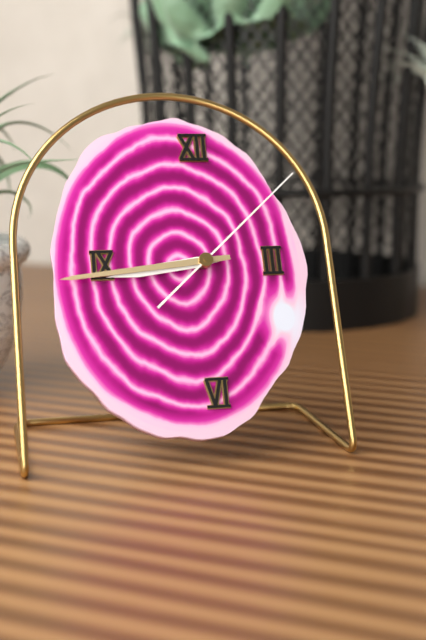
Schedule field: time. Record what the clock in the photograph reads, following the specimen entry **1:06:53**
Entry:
**8:44:08**
